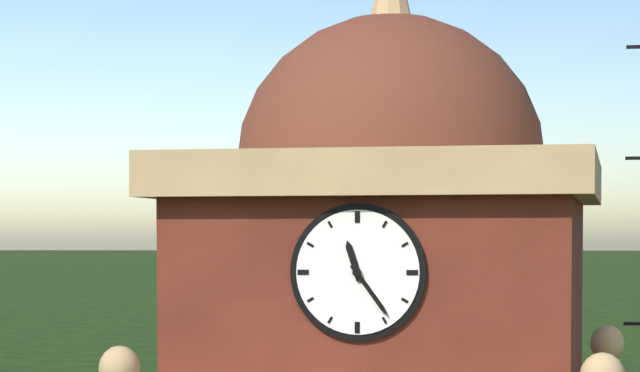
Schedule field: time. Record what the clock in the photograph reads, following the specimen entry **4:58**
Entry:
**11:24**
